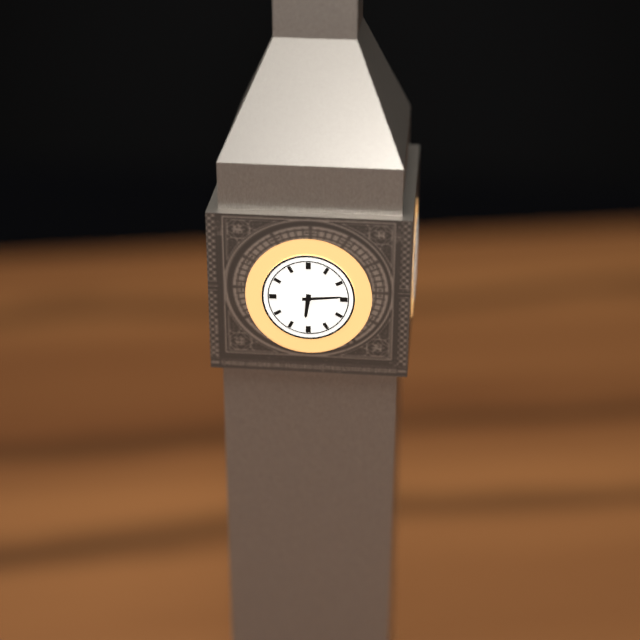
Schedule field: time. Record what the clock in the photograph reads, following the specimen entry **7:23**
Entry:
**6:14**
